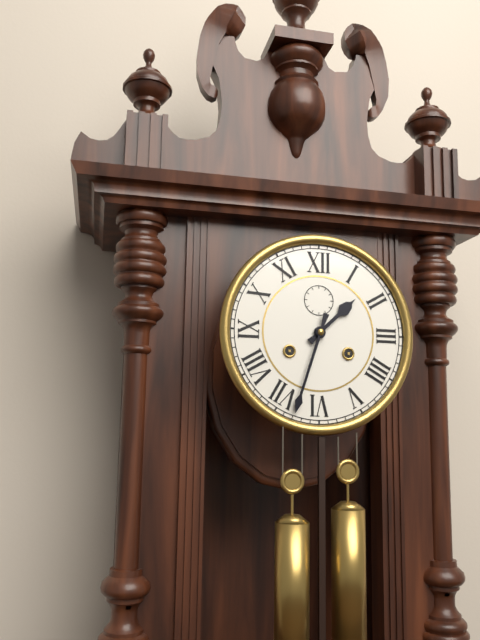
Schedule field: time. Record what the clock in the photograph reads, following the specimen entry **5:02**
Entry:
**1:33**
